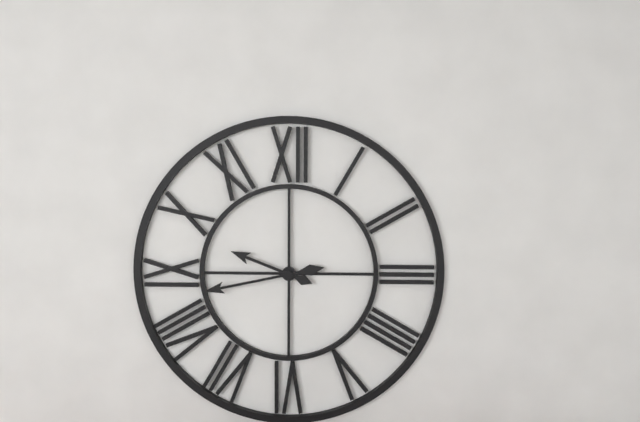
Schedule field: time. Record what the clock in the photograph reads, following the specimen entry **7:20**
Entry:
**9:43**
